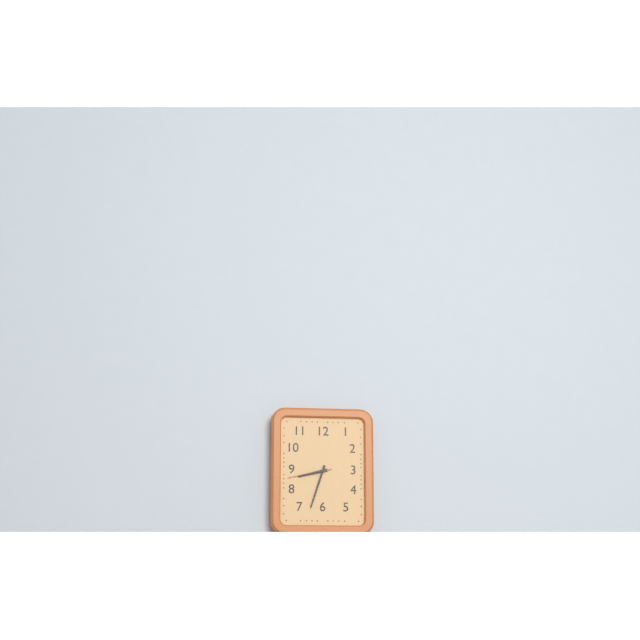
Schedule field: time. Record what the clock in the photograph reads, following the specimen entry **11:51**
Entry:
**8:33**
